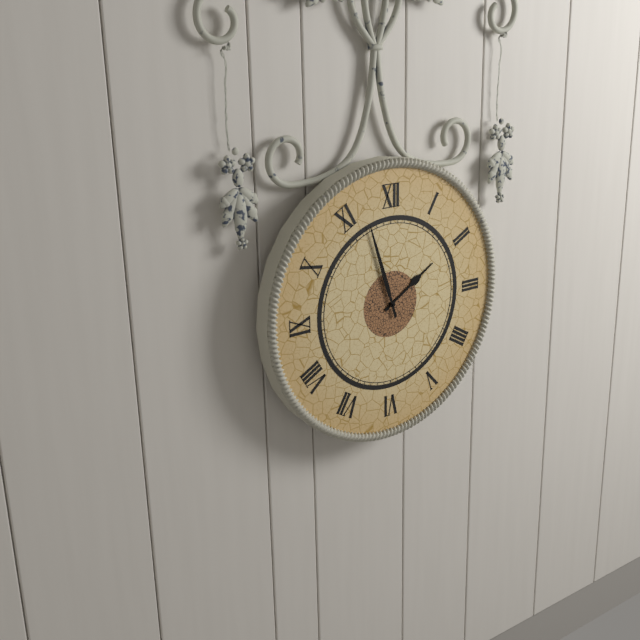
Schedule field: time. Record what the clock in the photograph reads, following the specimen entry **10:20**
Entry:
**1:57**
